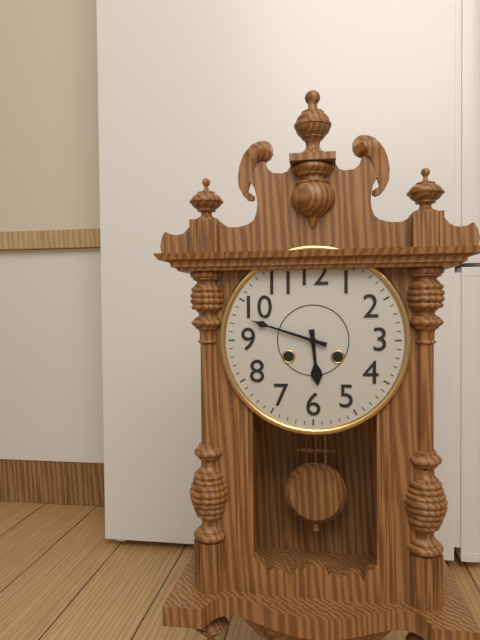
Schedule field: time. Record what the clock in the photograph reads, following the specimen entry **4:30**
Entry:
**5:48**
